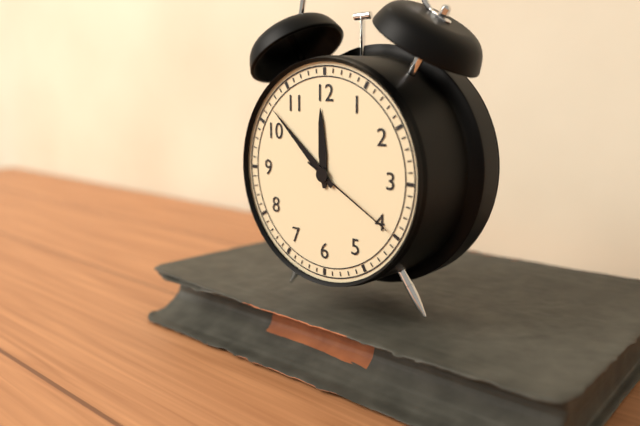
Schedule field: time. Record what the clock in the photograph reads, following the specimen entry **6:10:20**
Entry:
**11:52:20**
